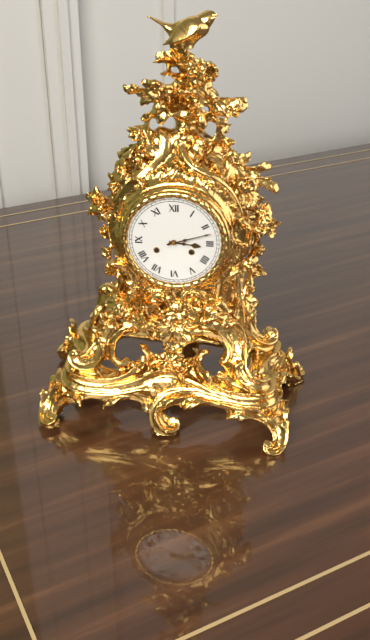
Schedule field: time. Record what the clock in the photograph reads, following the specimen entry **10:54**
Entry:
**3:12**
